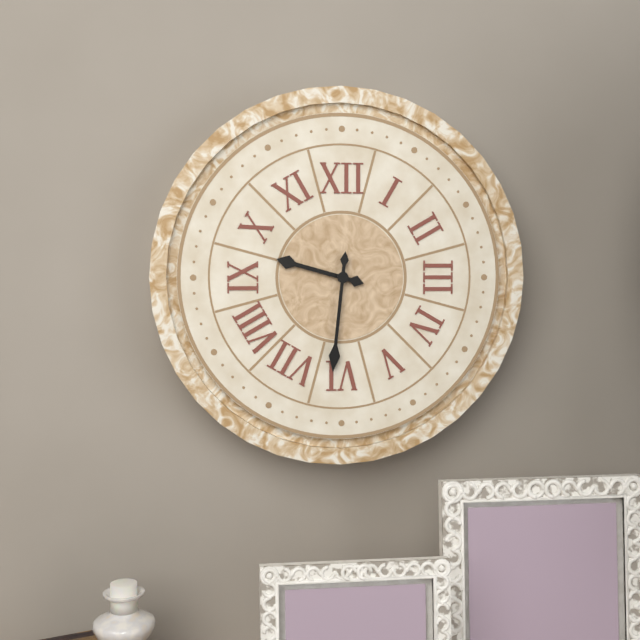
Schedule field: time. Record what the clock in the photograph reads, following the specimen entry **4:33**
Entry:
**9:31**
